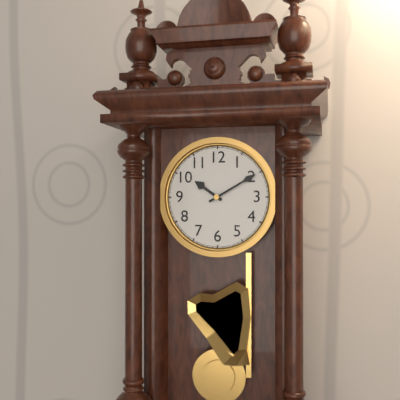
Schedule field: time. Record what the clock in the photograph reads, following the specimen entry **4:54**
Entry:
**10:10**
